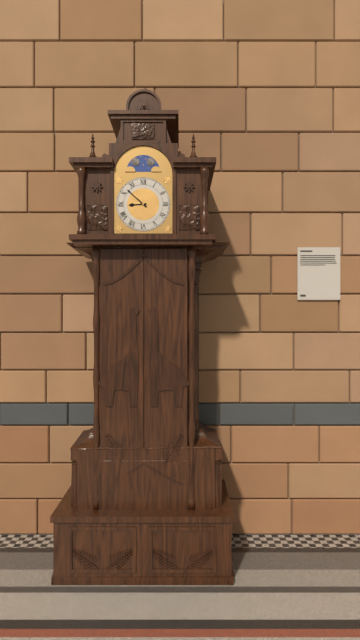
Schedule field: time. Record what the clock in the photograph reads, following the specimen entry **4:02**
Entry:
**8:52**
